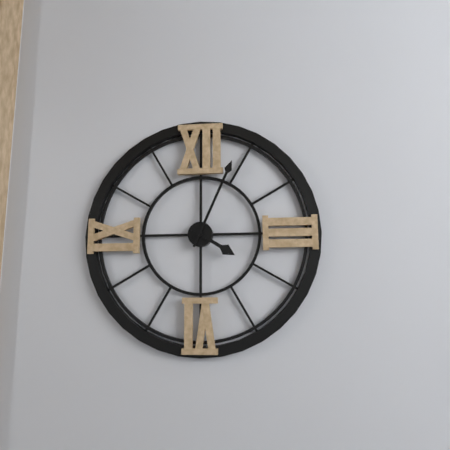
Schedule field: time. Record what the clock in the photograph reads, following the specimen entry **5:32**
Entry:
**4:04**
